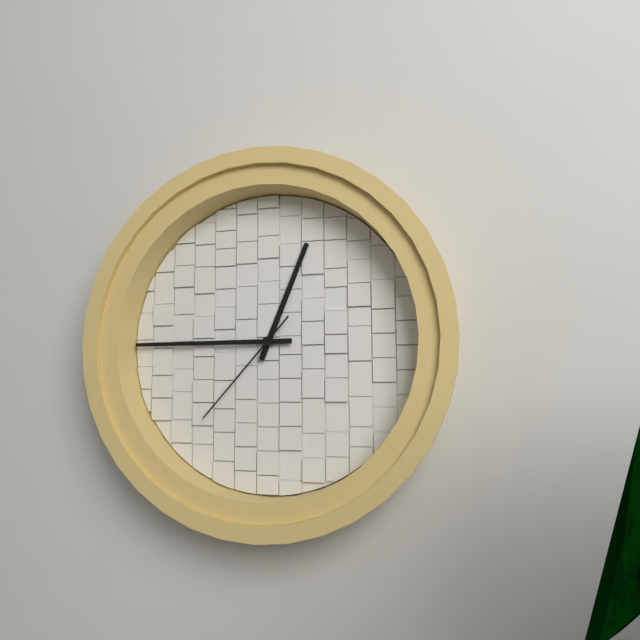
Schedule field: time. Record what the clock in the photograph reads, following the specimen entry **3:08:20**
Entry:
**12:45:37**
